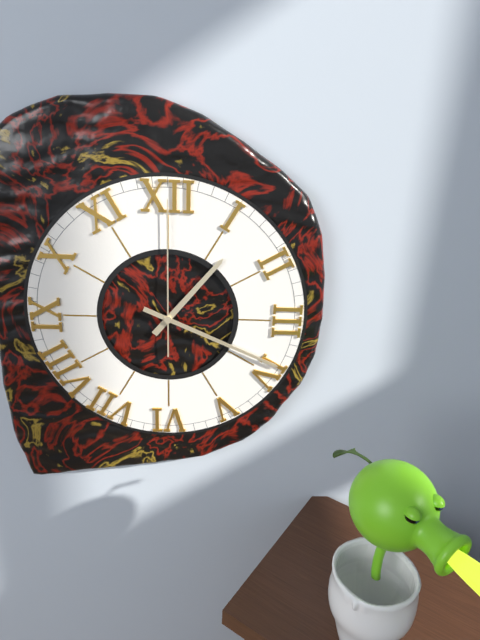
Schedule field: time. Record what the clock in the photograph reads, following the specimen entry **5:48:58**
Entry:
**1:19:00**
